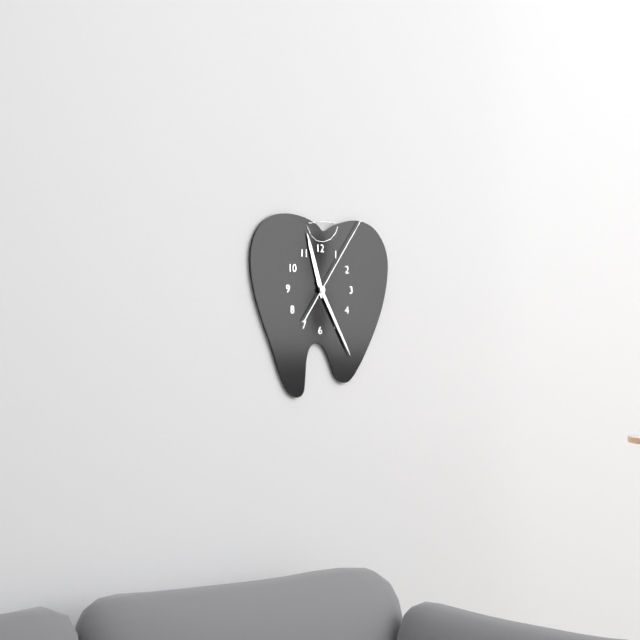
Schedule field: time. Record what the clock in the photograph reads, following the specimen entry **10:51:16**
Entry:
**11:25:06**
